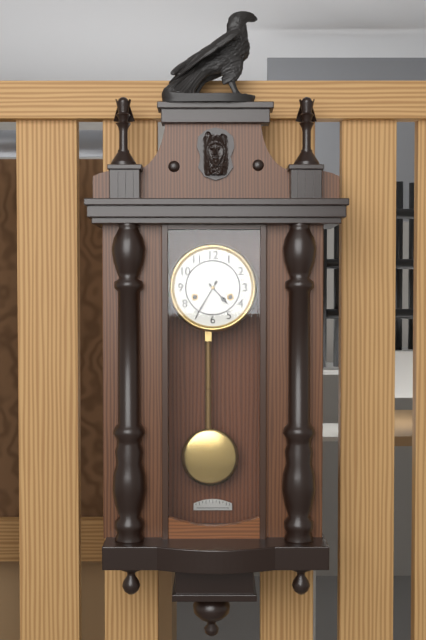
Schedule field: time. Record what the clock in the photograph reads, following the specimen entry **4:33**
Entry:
**4:35**
